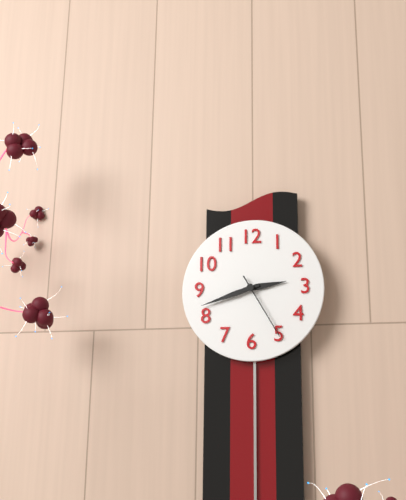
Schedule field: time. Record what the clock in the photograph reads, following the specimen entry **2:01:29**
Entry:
**2:42:25**
